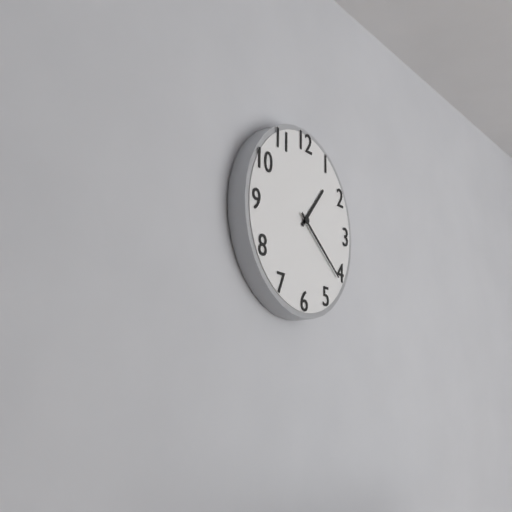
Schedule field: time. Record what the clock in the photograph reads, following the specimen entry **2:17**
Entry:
**1:21**
